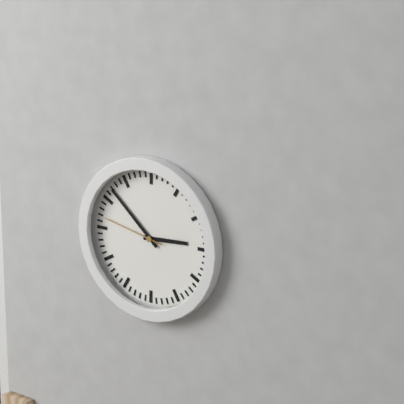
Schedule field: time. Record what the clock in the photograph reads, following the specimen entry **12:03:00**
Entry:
**2:52:47**
